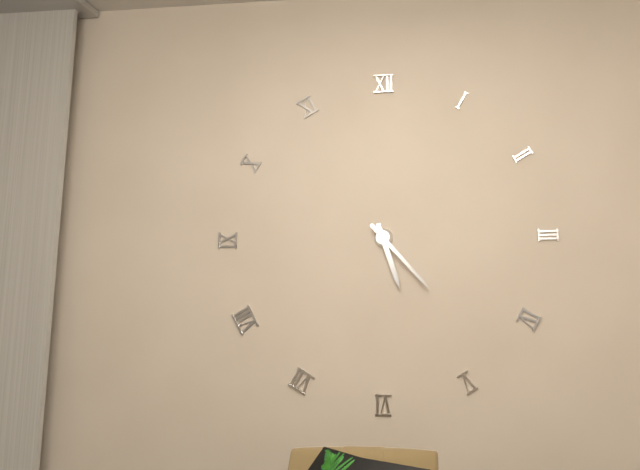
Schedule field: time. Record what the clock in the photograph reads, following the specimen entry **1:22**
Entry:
**5:23**
